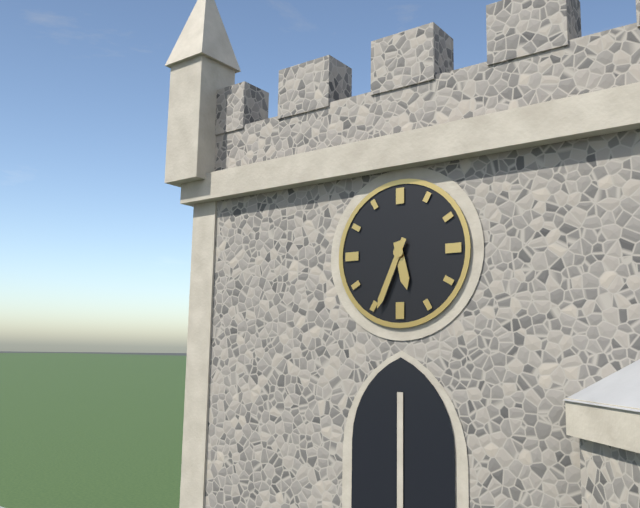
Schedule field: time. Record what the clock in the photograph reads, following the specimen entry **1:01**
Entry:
**5:34**
